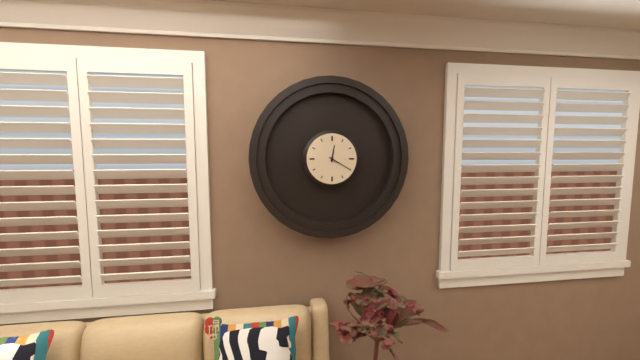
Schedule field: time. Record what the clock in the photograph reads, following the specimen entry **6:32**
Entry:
**12:20**
